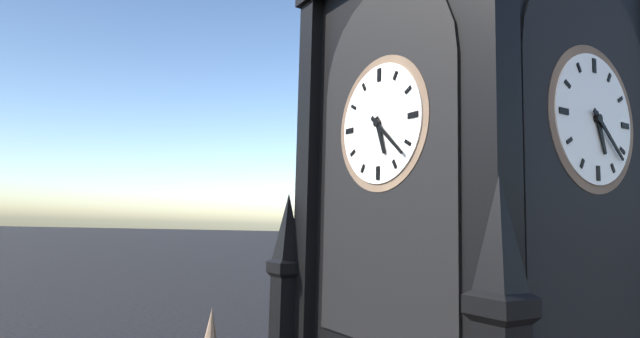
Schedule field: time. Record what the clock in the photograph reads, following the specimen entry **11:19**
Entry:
**5:22**
